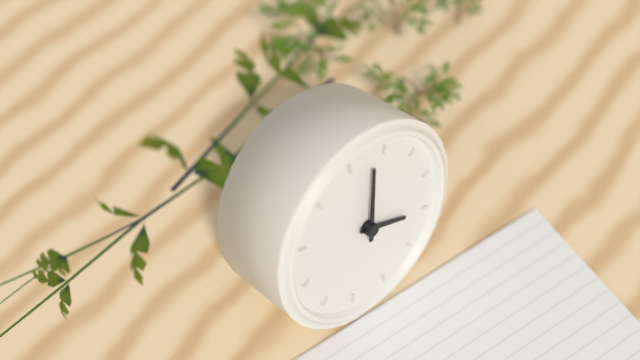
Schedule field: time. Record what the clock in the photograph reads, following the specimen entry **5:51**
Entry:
**4:03**
